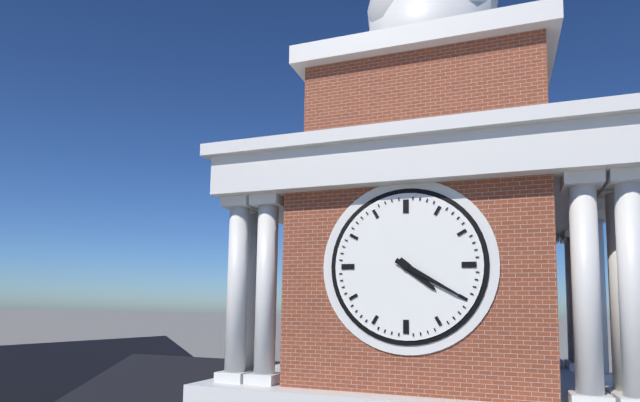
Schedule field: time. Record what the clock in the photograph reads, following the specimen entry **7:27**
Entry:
**4:20**
